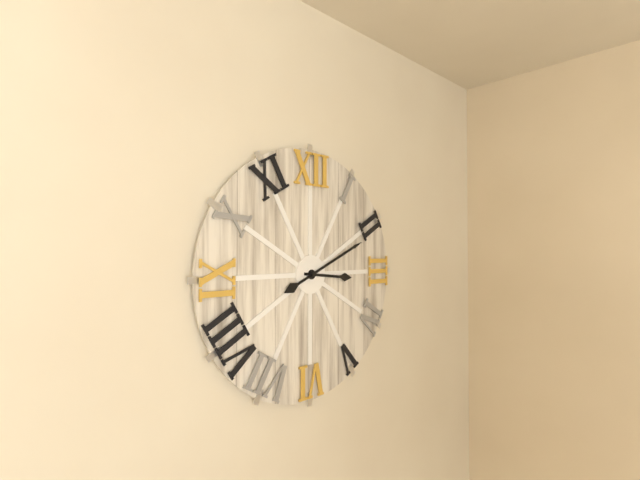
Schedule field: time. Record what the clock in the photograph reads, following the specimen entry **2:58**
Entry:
**3:11**
